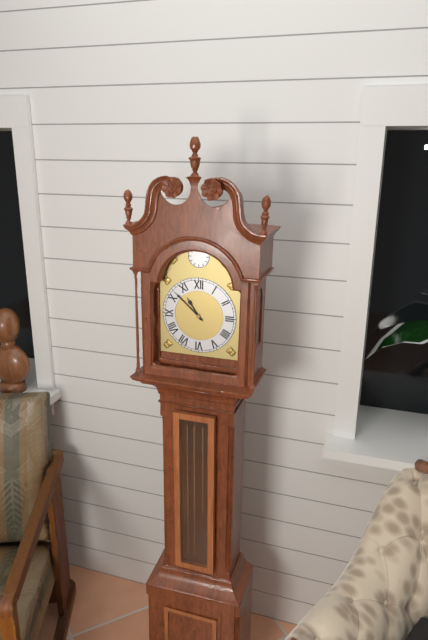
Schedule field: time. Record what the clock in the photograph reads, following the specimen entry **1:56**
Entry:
**10:52**
